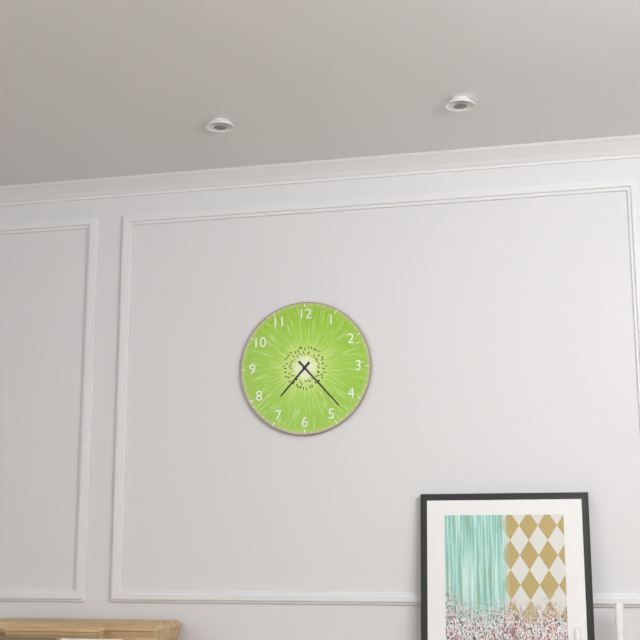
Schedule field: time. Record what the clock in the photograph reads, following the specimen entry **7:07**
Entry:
**7:23**
